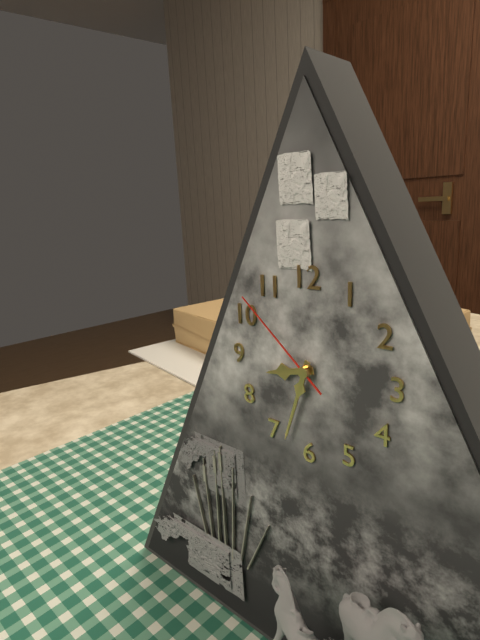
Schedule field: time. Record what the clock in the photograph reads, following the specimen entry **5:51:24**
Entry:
**8:33:52**
